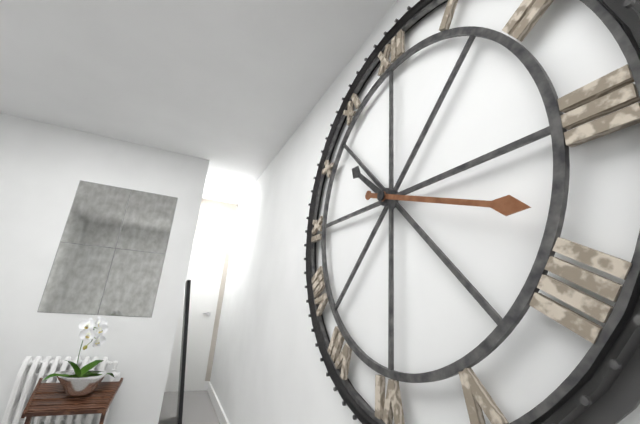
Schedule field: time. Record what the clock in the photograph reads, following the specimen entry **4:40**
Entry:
**10:18**
